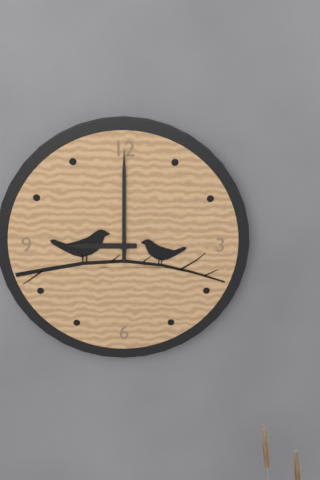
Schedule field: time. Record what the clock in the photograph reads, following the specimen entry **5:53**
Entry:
**9:00**
